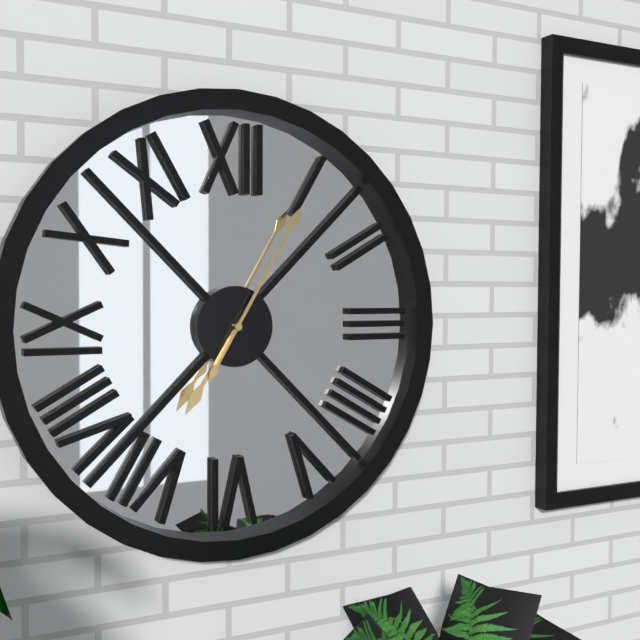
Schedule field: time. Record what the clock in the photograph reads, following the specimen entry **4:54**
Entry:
**7:05**
